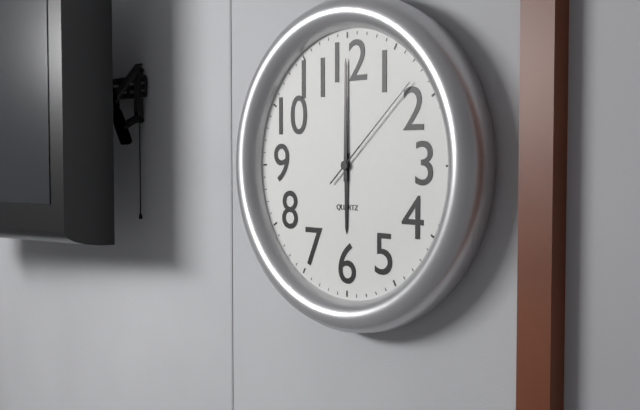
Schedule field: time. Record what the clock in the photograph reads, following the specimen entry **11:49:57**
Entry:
**6:00:08**
